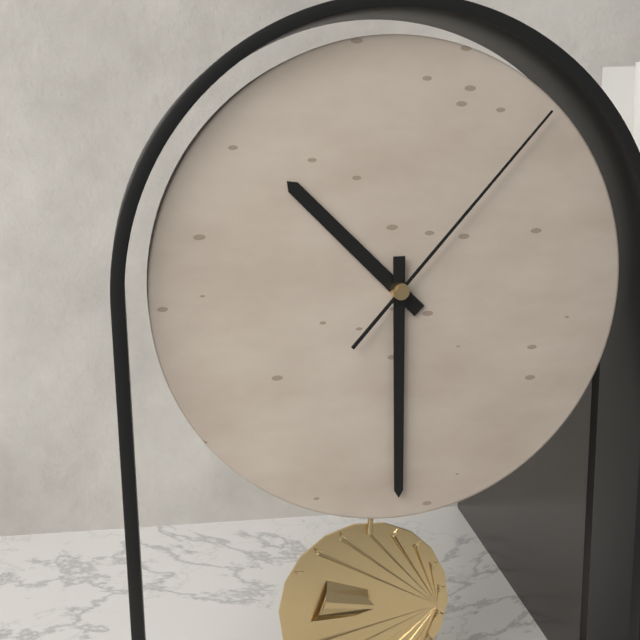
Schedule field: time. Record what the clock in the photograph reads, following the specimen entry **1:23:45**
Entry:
**10:30:07**
